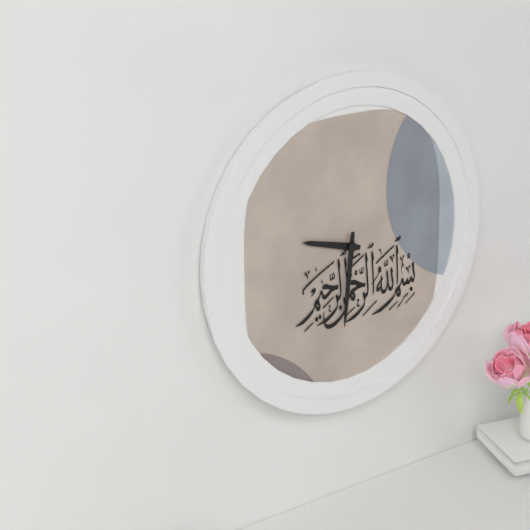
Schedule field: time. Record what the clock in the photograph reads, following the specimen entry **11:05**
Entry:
**9:31**
